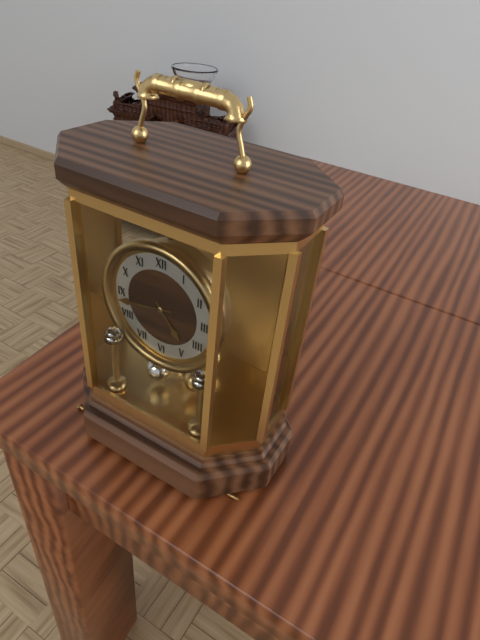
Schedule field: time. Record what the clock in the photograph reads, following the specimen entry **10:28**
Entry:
**4:43**
